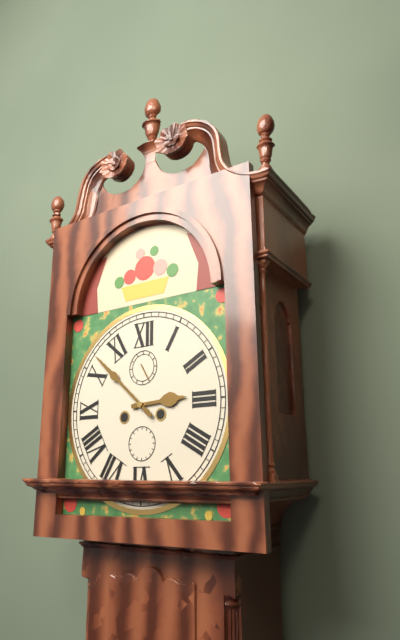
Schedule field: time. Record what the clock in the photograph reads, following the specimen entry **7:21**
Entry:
**2:52**
